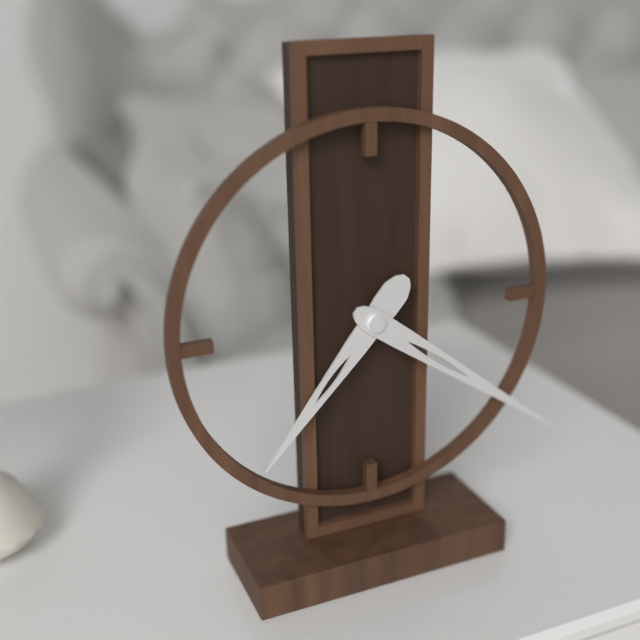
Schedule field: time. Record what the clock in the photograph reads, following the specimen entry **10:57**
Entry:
**7:21**
